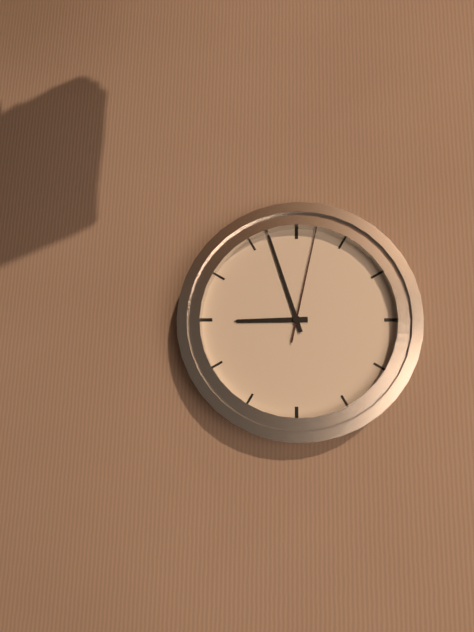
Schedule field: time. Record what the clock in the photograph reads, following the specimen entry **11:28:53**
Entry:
**8:57:02**
